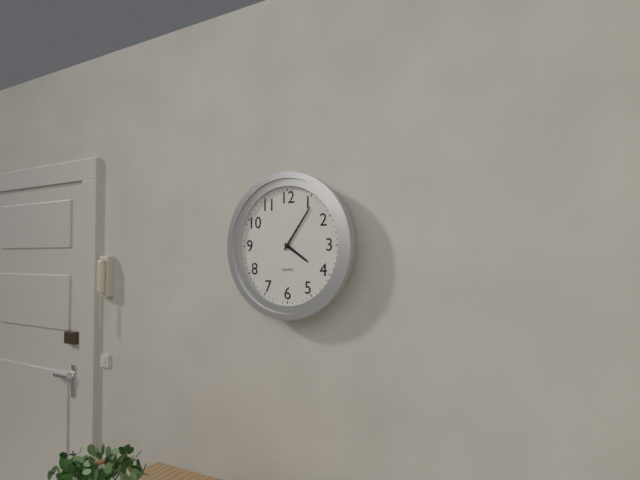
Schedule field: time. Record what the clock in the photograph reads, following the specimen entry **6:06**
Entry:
**4:06**
